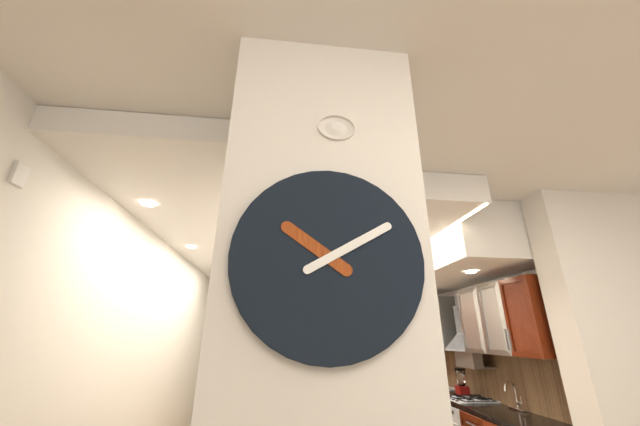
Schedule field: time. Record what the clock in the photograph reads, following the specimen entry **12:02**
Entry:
**10:10**
